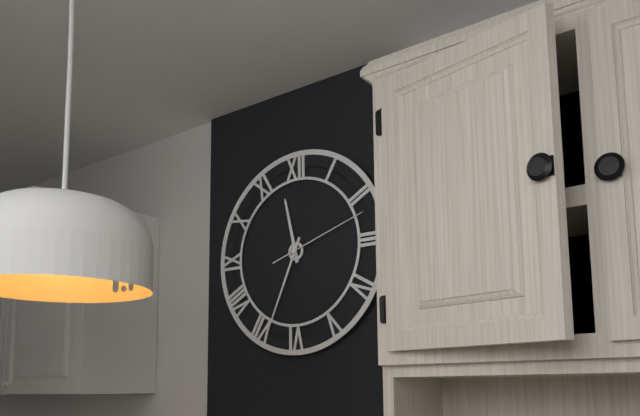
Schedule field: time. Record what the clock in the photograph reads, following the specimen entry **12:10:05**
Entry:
**11:34:12**
